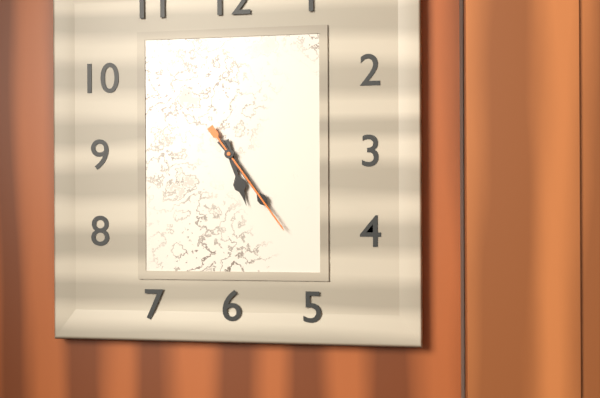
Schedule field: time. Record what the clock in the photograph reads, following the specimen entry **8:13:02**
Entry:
**5:24:24**
